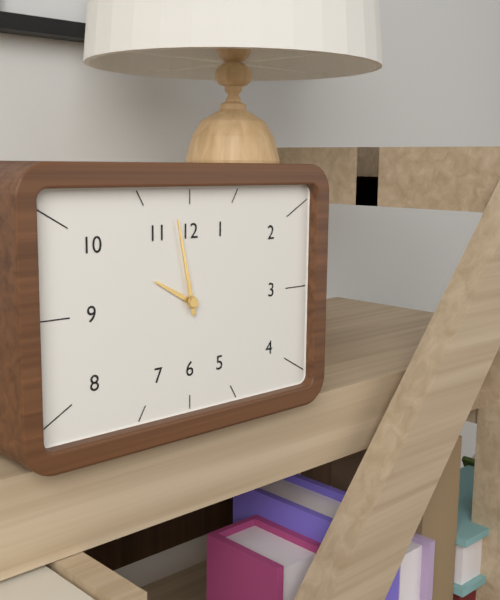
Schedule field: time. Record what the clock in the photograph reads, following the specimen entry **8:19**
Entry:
**9:58**
